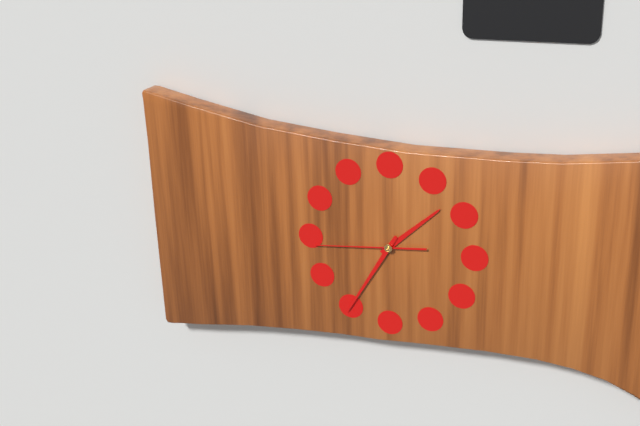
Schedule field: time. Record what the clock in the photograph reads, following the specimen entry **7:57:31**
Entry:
**1:35:44**
